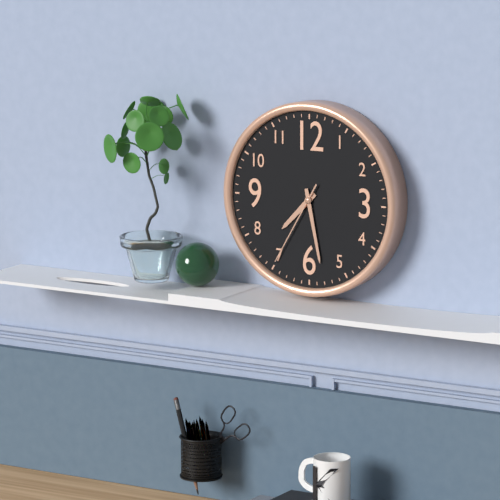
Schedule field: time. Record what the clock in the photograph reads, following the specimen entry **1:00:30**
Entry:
**7:28:35**
